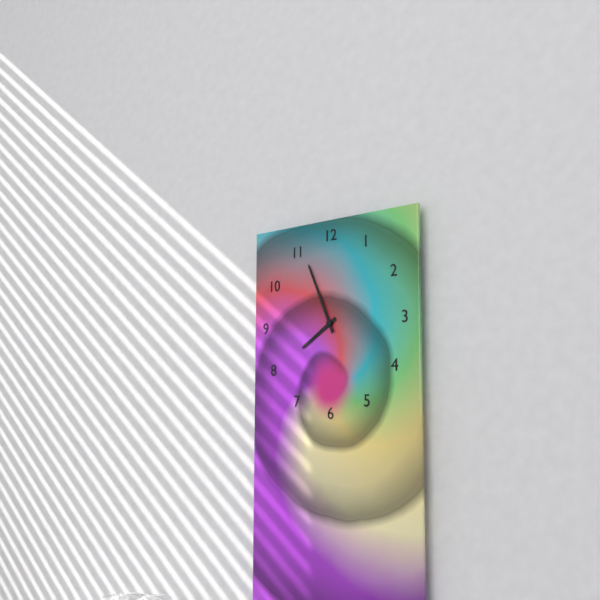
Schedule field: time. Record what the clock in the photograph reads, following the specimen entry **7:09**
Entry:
**7:56**
